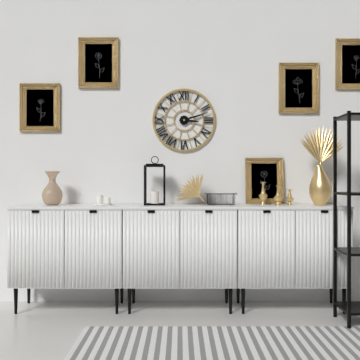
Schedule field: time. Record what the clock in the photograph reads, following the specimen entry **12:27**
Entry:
**3:12**
